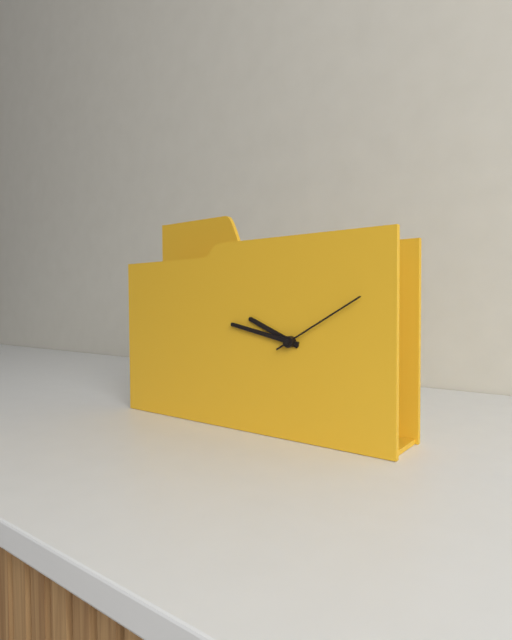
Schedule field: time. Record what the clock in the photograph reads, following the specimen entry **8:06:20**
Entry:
**9:47:10**
